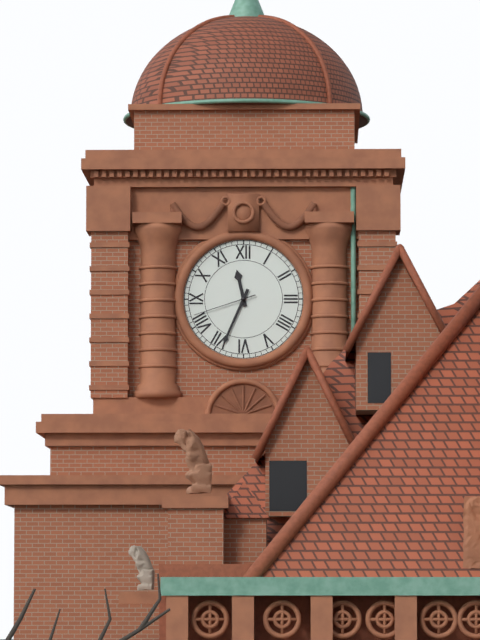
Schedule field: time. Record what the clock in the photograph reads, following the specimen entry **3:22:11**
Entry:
**11:34:42**
